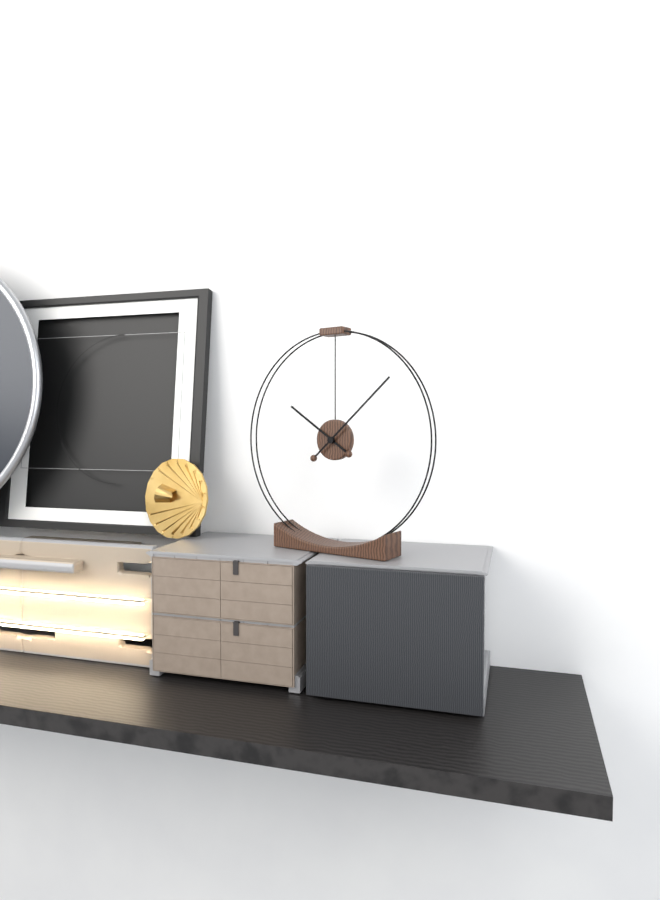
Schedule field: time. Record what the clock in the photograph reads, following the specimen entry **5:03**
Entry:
**10:08**
